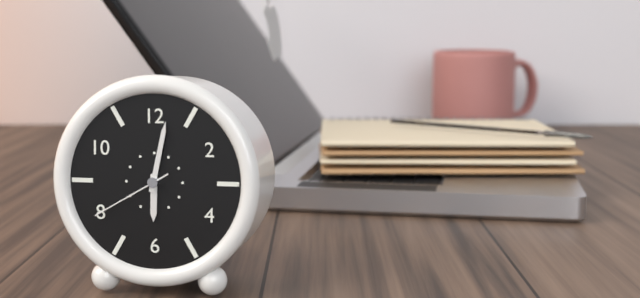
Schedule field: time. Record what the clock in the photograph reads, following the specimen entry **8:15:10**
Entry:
**6:02:40**
